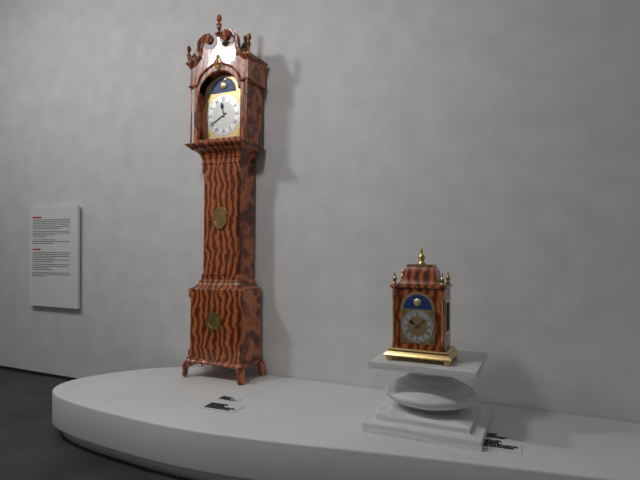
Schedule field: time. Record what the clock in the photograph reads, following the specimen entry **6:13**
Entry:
**11:40**
